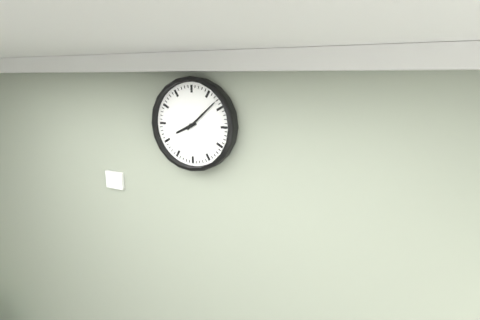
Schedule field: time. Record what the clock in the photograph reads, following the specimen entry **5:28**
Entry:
**8:08**
